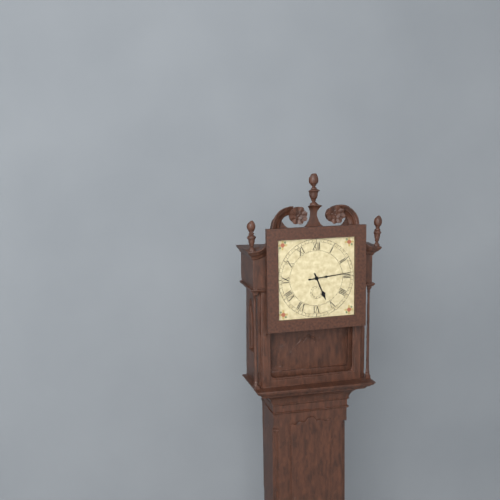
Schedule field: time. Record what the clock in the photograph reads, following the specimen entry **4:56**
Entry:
**5:14**
